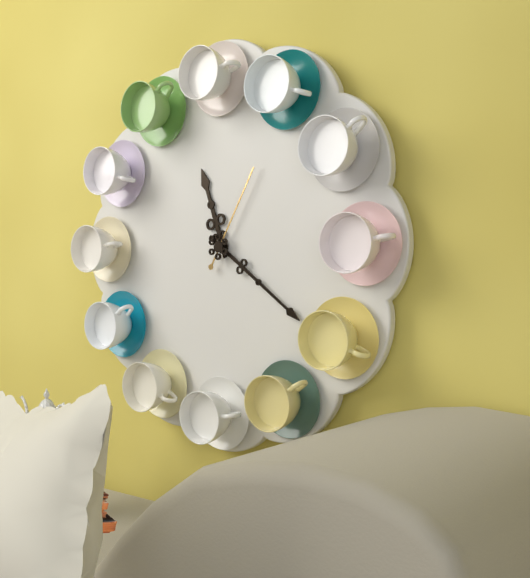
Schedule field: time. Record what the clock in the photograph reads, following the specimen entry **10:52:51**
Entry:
**11:21:05**
